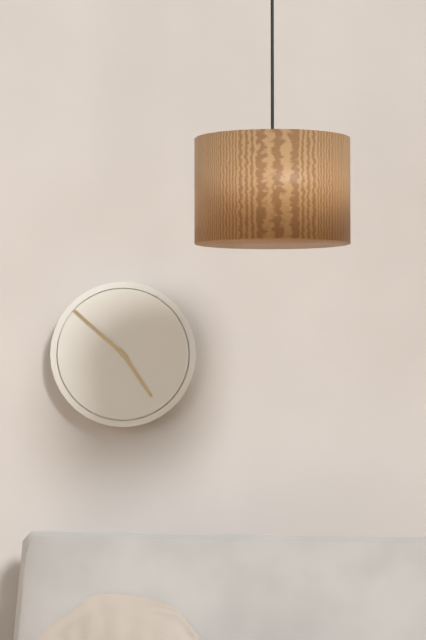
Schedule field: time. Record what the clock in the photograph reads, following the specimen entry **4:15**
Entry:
**4:52**
